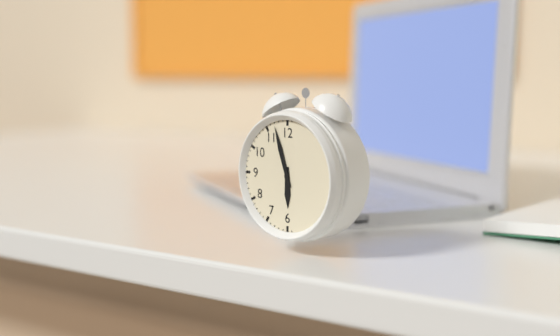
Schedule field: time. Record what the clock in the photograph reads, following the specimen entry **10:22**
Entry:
**5:57**
